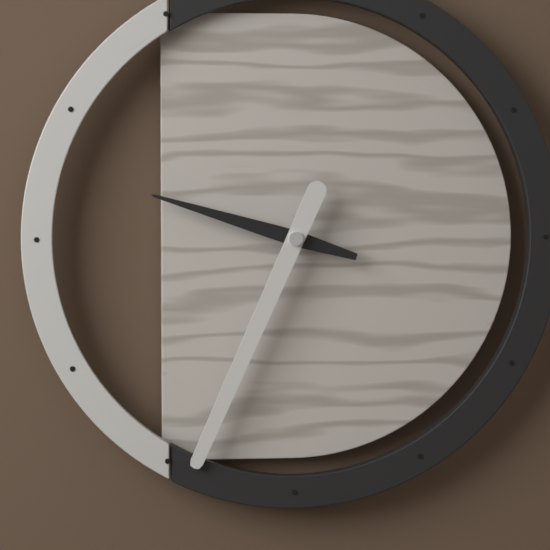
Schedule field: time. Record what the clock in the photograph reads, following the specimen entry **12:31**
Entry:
**9:34**
